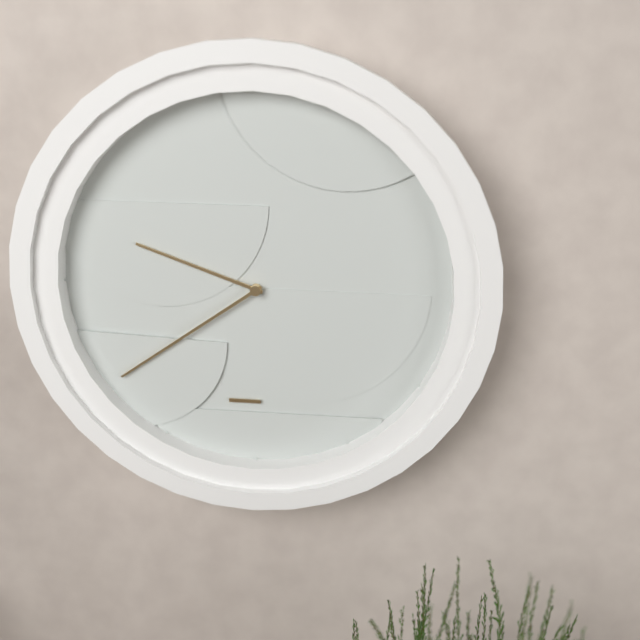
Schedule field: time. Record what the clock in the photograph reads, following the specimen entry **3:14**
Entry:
**9:39**
